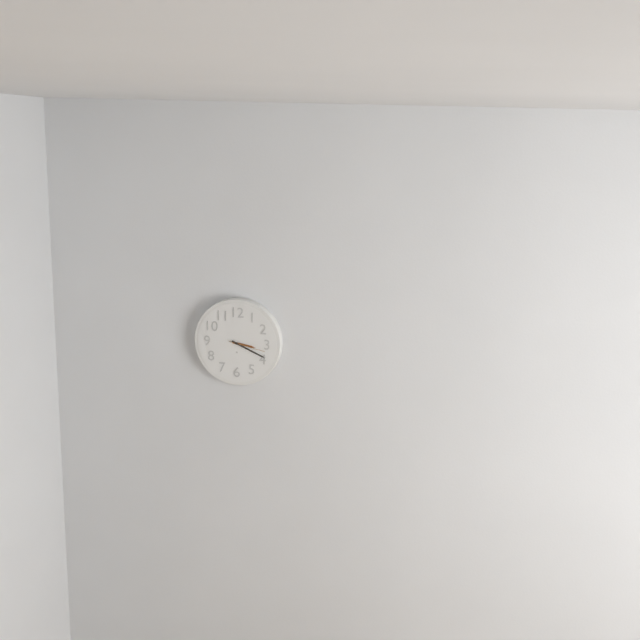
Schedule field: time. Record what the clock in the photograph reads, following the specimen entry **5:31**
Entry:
**3:19**
